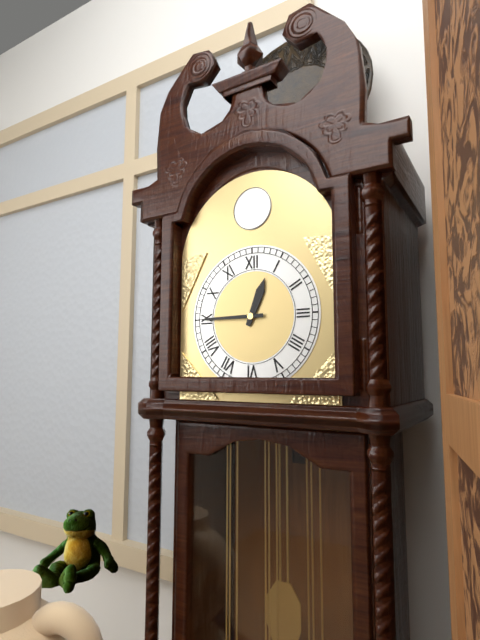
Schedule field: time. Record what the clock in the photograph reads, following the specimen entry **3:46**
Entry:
**12:45**
